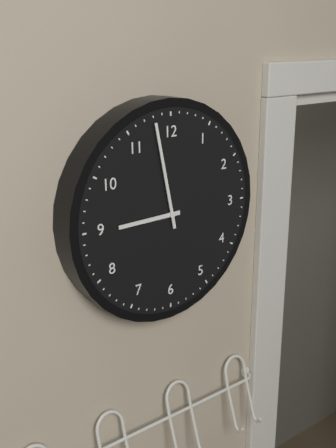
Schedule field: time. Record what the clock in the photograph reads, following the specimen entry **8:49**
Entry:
**8:58**
